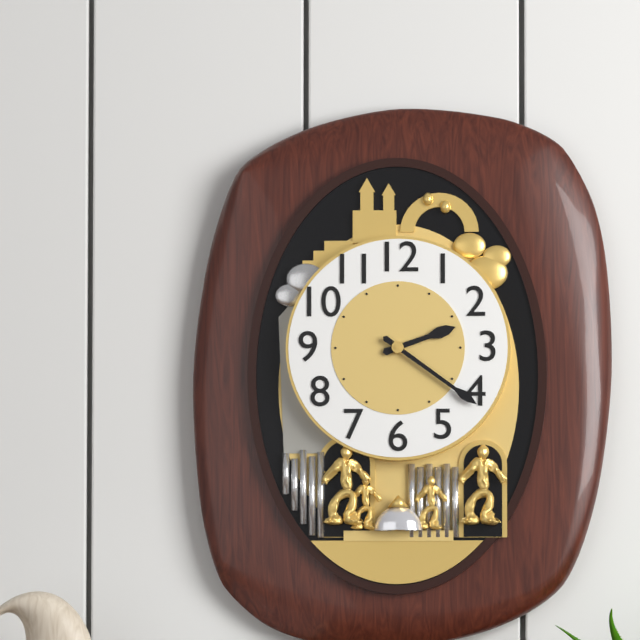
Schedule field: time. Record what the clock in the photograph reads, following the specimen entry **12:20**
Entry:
**2:21**
